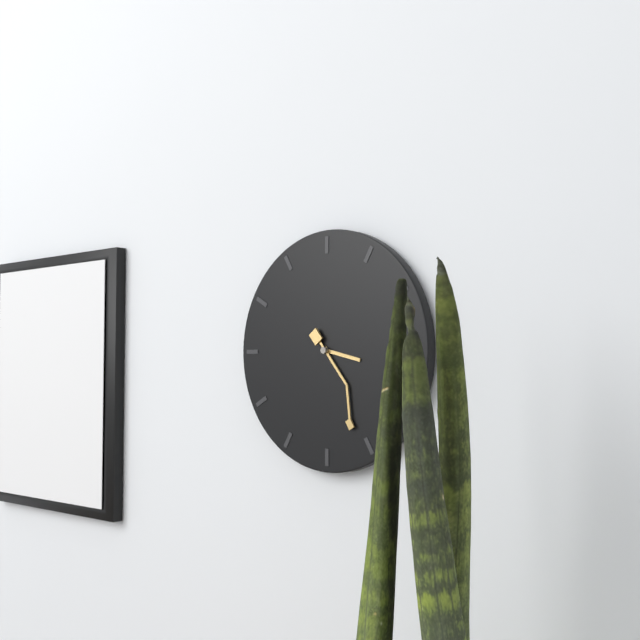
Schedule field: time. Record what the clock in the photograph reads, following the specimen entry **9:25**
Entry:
**3:26**
